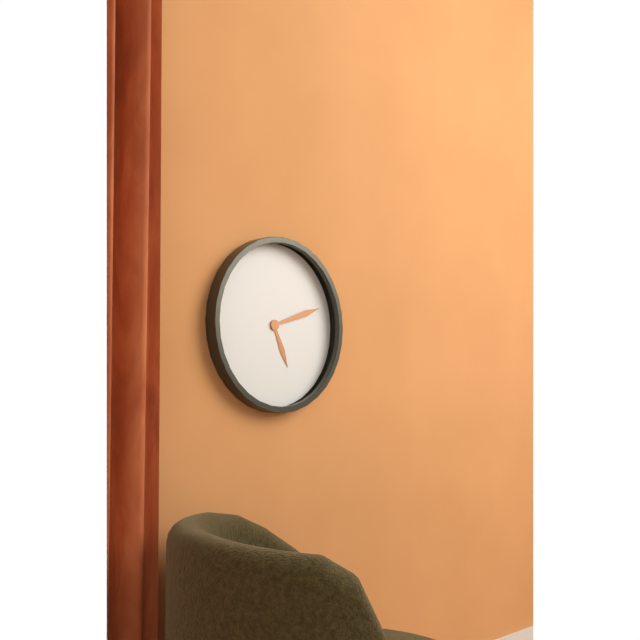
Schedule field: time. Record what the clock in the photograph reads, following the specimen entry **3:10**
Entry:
**5:12**
